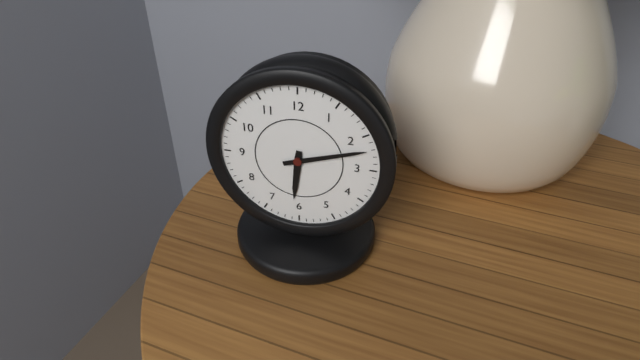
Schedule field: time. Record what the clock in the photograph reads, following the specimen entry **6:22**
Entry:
**6:12**
